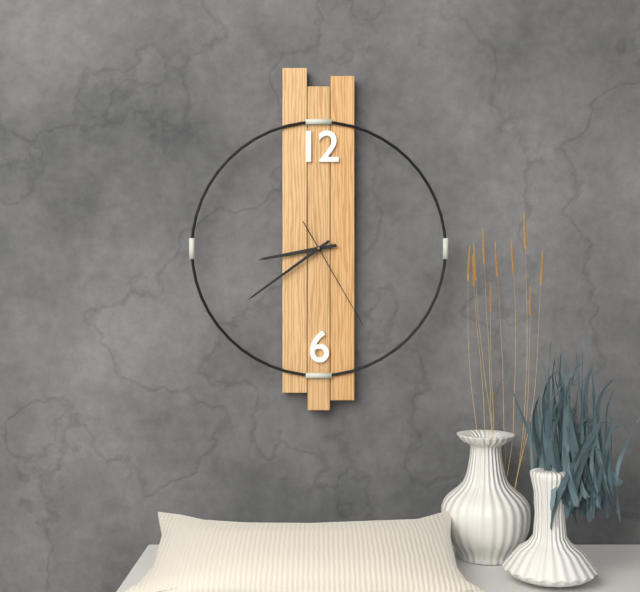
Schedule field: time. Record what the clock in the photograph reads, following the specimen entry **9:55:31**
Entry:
**8:39:25**
